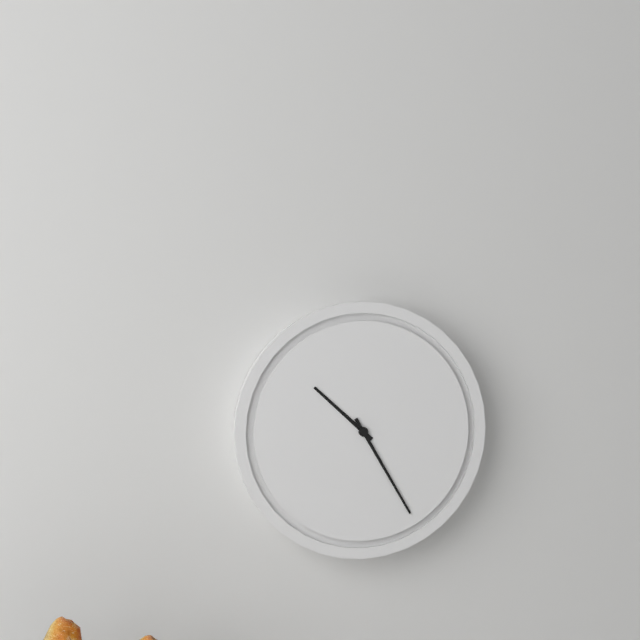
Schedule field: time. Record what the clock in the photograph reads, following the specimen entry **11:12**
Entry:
**10:25**
